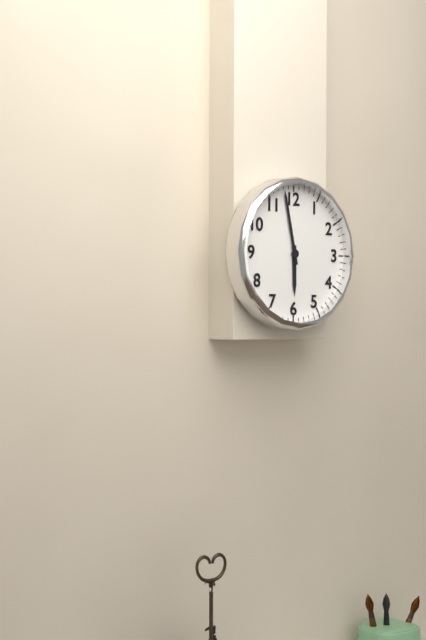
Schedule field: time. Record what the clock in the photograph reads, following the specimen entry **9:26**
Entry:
**5:58**
